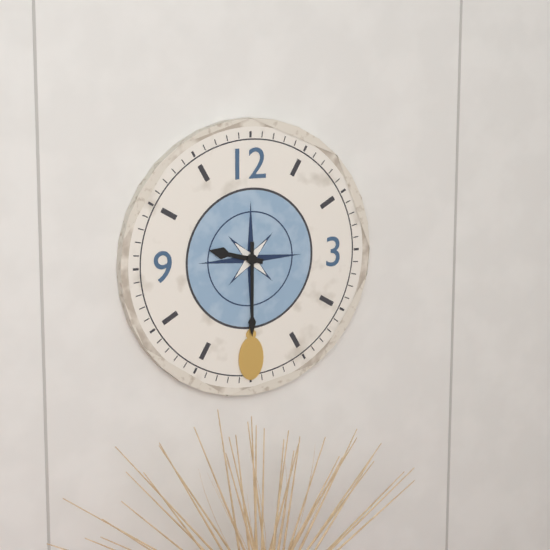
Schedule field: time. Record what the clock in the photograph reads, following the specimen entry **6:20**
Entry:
**9:30**
